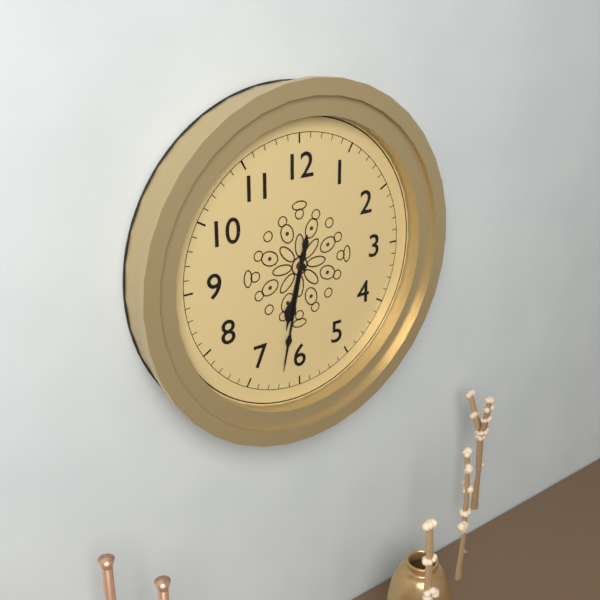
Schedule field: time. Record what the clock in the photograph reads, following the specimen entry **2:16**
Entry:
**6:32**
